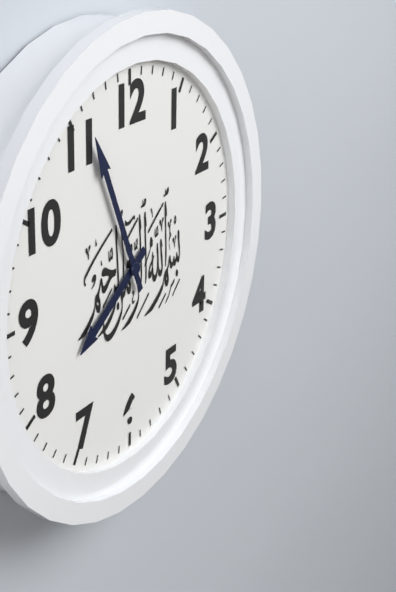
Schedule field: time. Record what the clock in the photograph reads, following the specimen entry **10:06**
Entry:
**7:56**
